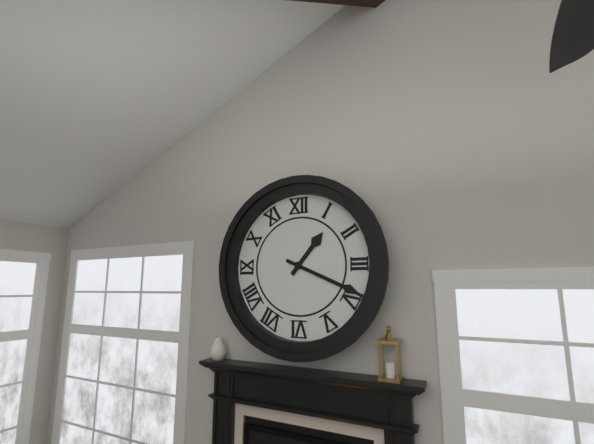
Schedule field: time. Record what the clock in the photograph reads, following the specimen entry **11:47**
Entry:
**1:19**
